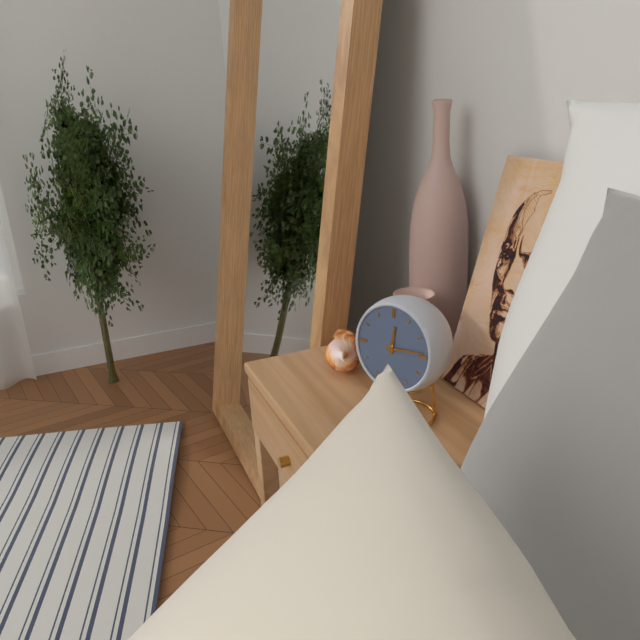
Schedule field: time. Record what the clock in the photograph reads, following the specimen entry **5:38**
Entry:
**12:14**
